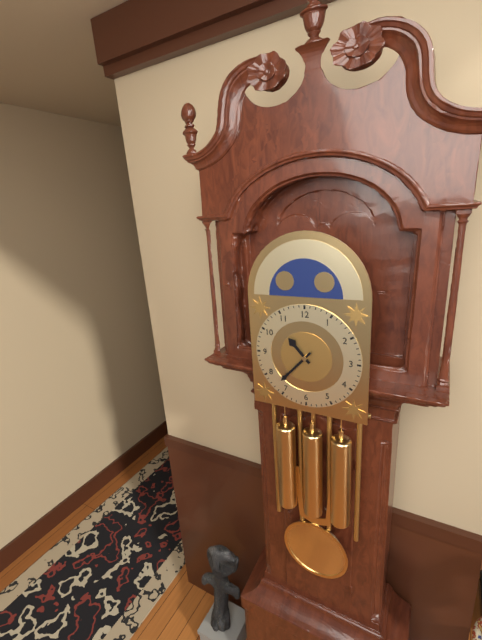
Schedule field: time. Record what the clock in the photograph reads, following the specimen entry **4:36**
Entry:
**10:37**
